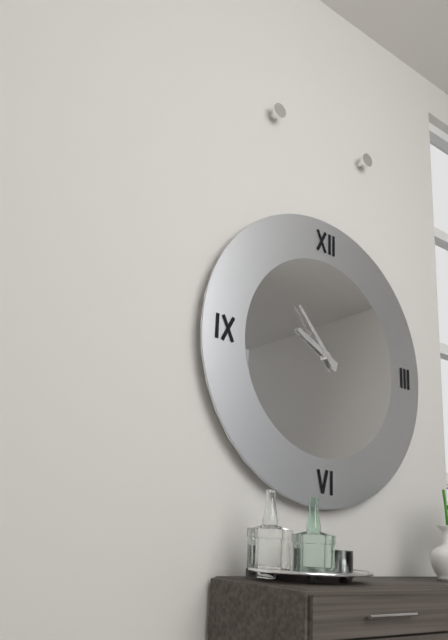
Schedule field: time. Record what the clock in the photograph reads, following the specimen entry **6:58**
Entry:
**9:53**
